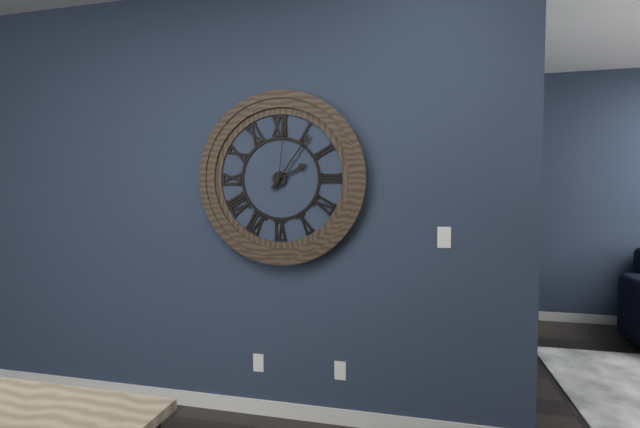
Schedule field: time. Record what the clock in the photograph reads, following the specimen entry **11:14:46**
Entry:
**2:06:01**
